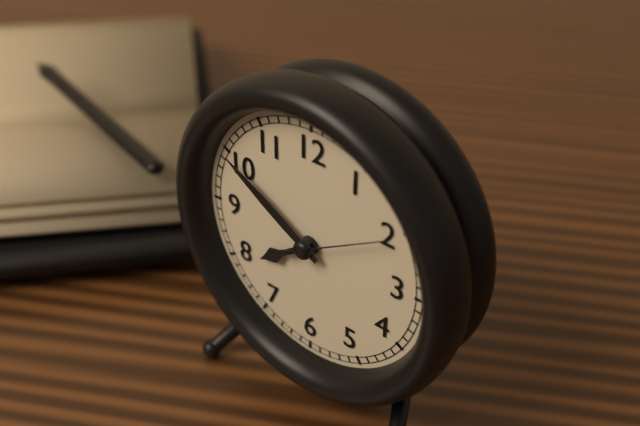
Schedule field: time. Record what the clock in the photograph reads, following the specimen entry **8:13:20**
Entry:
**7:50:10**
